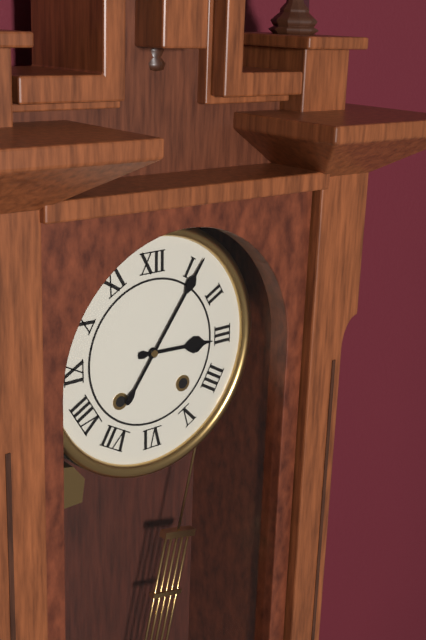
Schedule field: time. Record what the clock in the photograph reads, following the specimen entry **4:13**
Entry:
**3:06**
